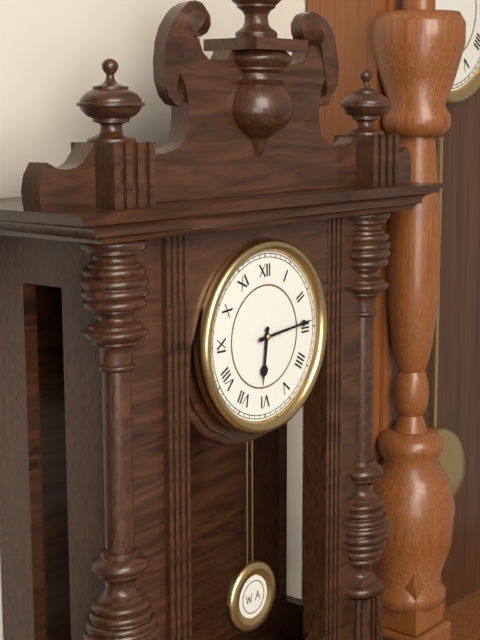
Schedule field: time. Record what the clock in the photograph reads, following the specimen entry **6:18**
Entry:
**6:14**
